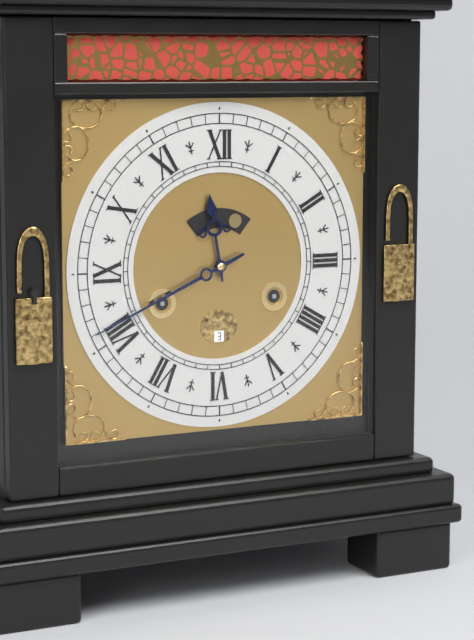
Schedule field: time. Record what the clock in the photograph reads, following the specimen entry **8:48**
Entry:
**11:41**
